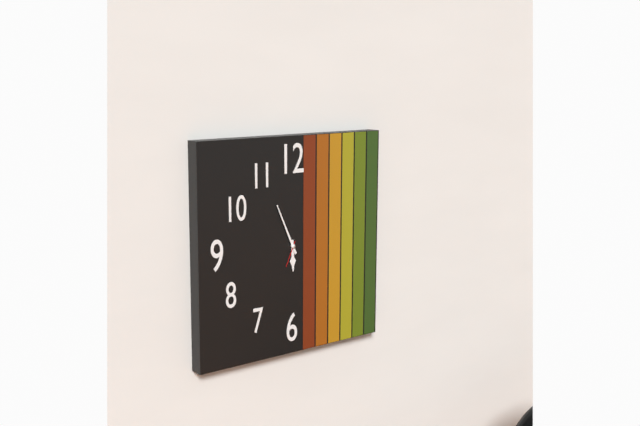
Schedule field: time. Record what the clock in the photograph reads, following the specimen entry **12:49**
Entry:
**5:56**
